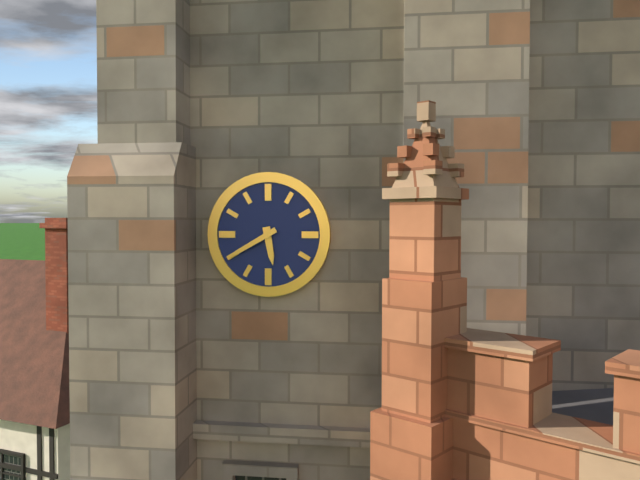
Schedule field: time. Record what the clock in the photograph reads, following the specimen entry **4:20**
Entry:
**5:40**
